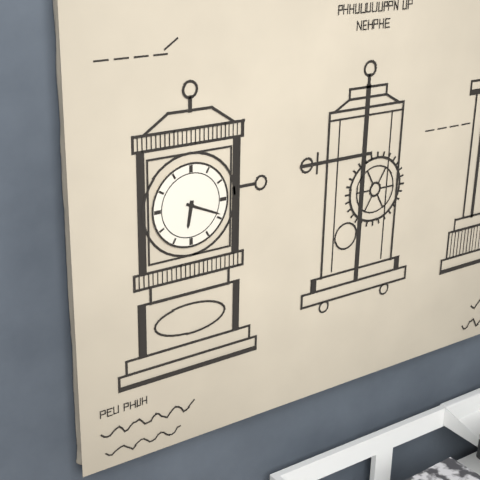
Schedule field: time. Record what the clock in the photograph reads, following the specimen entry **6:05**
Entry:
**6:19**
